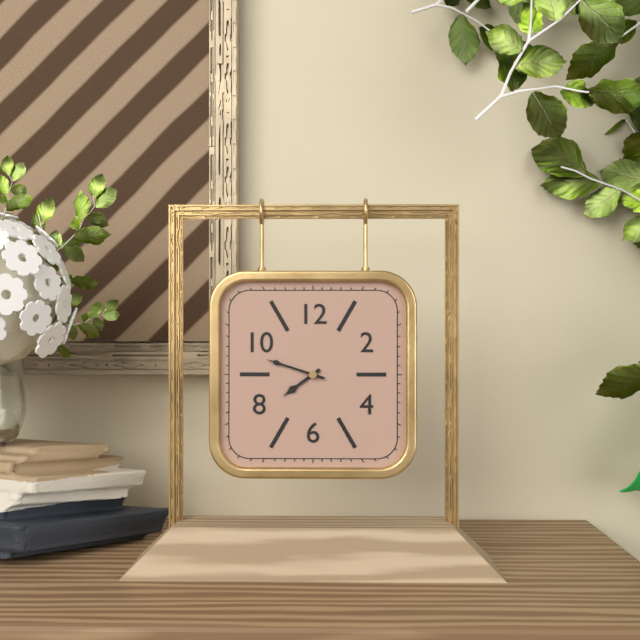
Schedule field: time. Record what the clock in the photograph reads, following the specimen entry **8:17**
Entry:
**7:48**
